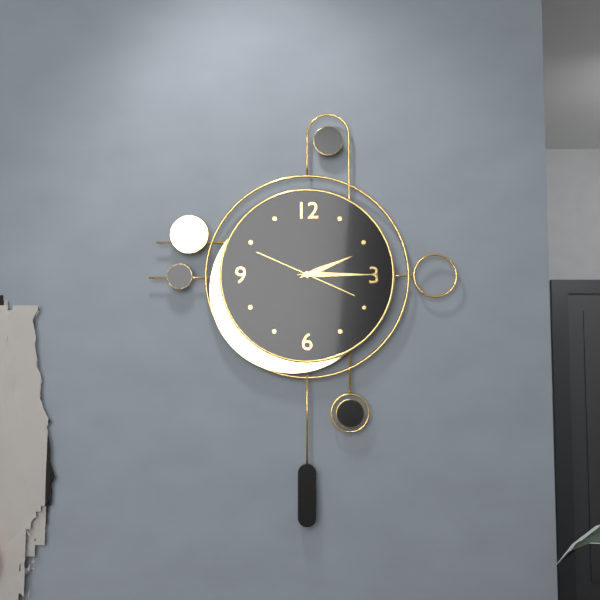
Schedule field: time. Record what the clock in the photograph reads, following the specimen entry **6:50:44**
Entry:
**2:15:49**
